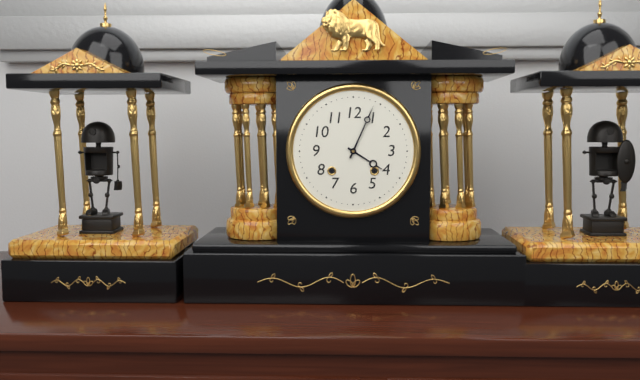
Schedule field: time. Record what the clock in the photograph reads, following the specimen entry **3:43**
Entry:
**4:04**
